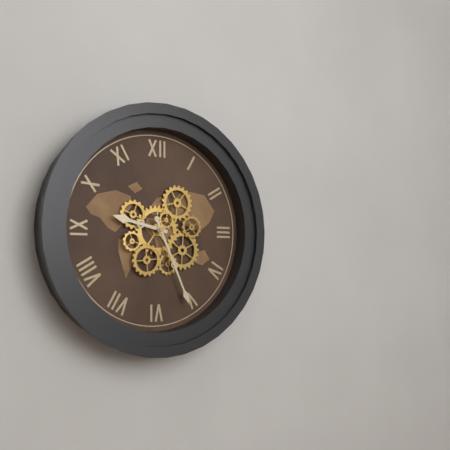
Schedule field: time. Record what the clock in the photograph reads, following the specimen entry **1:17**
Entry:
**9:26**
